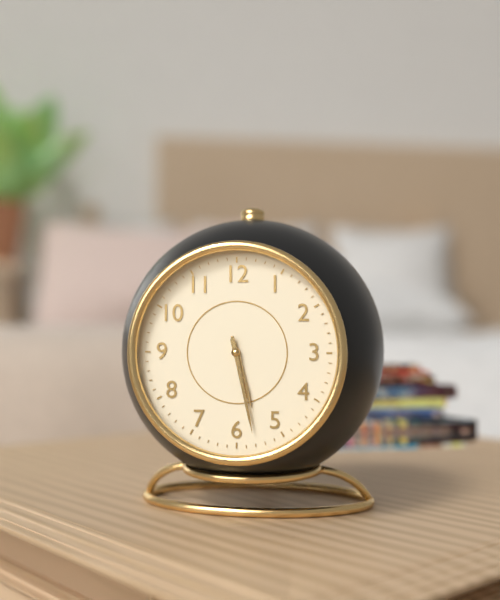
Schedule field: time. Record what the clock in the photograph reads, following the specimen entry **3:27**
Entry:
**5:28**
